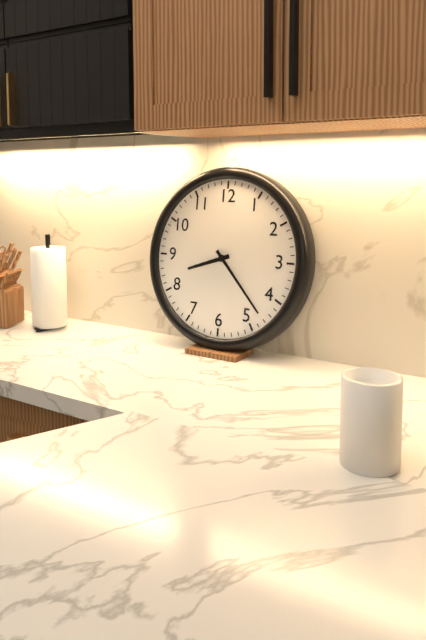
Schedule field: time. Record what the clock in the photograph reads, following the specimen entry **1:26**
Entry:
**8:23**
